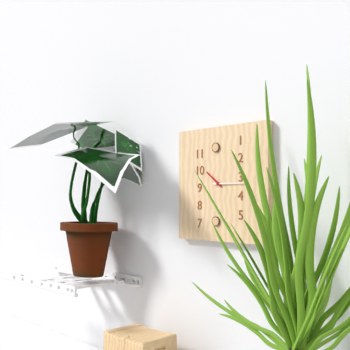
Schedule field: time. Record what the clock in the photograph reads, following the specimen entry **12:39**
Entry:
**10:15**
